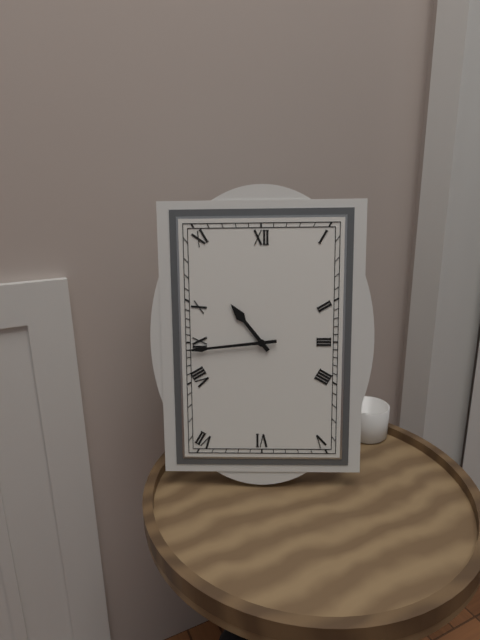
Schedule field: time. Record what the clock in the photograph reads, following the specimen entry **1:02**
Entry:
**10:44**
